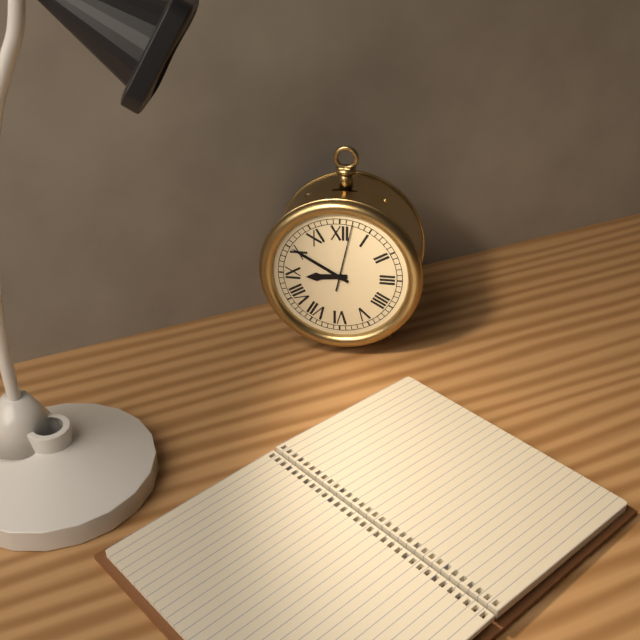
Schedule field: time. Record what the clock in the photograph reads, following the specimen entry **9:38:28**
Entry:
**8:50:02**
